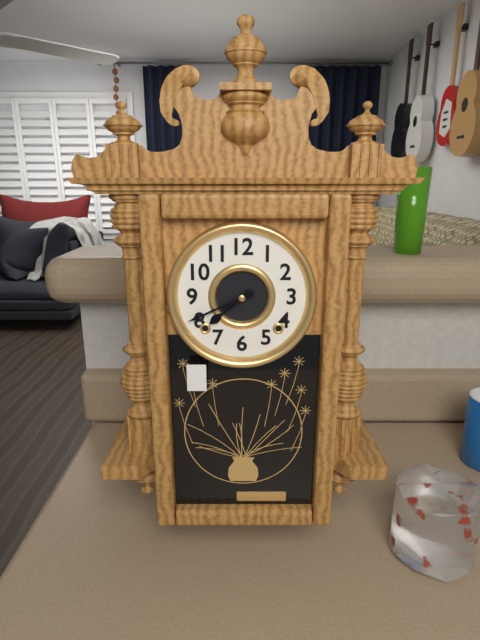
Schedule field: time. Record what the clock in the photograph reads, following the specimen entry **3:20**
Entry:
**7:41**
